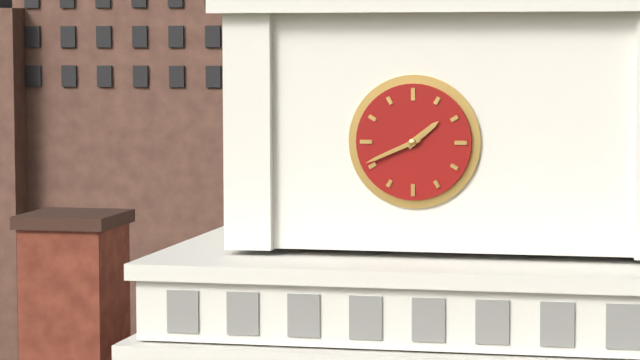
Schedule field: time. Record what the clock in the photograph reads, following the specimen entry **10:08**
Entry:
**1:41**
